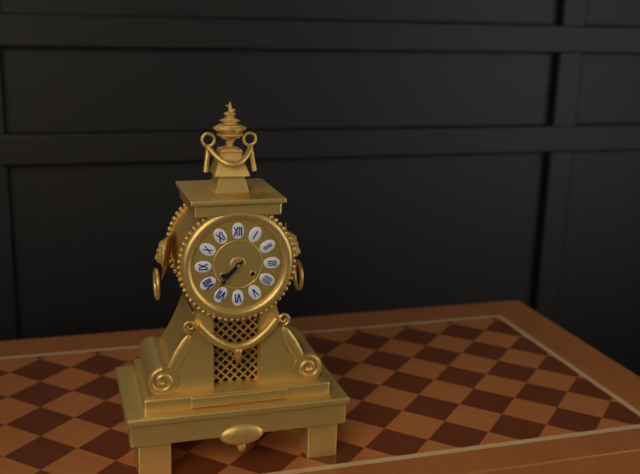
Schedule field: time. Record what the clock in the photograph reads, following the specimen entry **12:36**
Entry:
**7:37**
